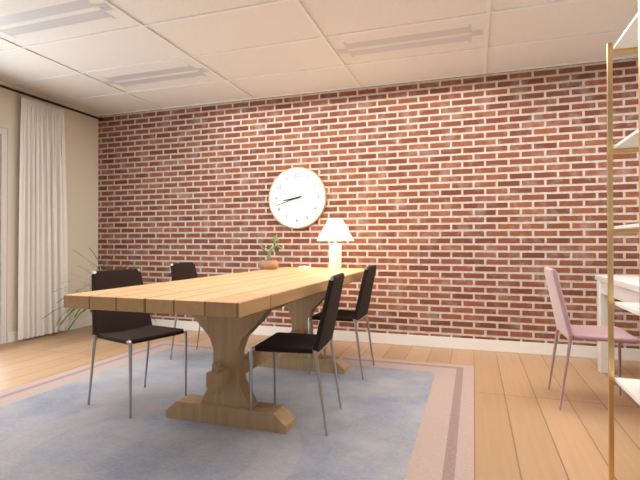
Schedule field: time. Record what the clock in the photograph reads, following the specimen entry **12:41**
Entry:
**8:42**
